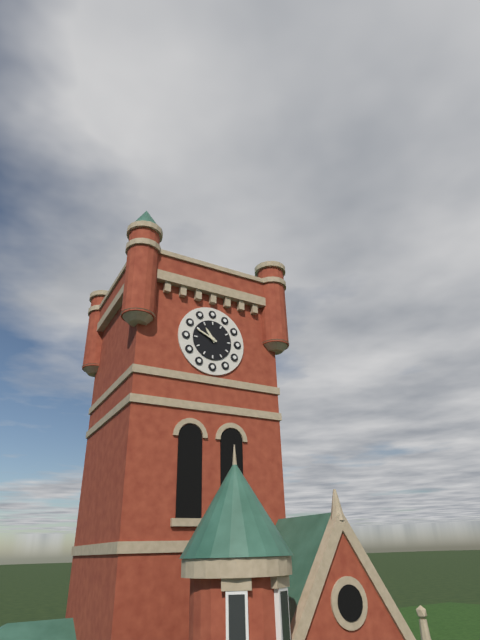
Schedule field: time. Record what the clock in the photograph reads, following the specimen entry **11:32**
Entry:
**10:49**
